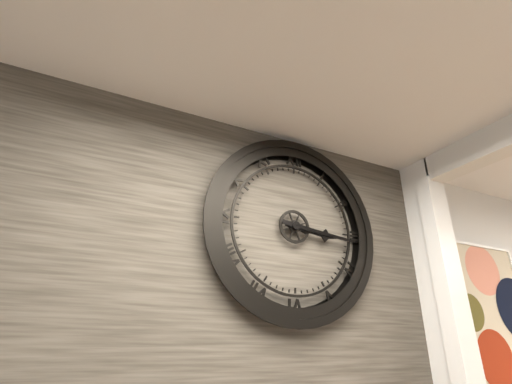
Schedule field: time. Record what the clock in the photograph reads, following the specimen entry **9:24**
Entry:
**3:16**
